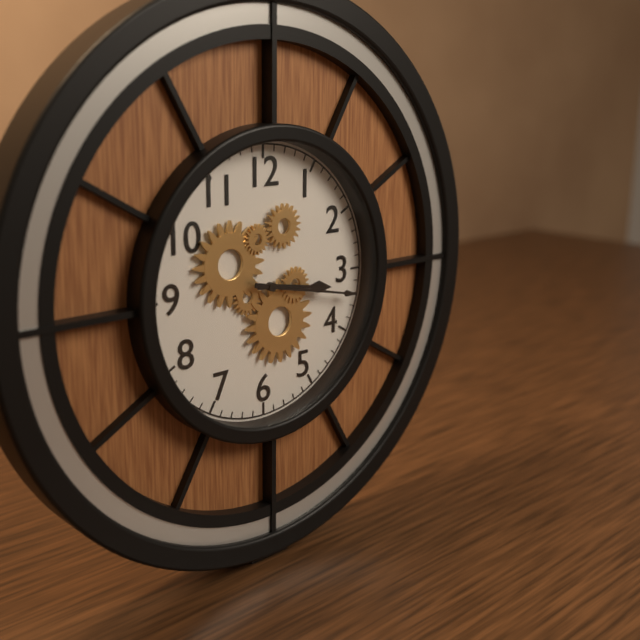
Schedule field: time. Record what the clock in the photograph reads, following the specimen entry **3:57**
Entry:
**3:17**
